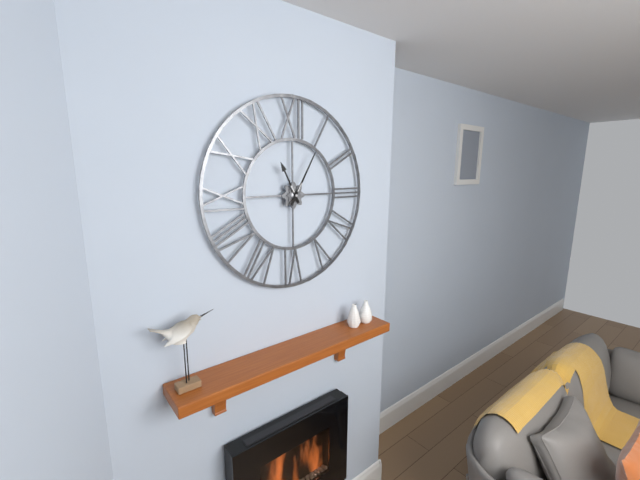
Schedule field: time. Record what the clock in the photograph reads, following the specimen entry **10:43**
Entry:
**11:05**
